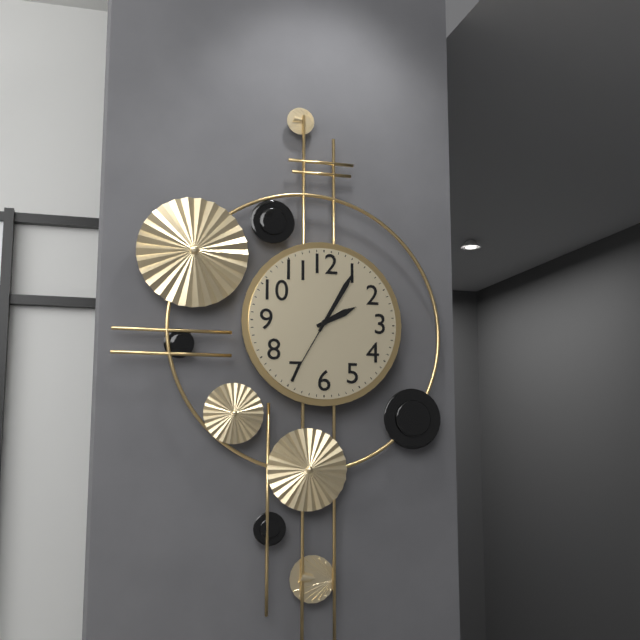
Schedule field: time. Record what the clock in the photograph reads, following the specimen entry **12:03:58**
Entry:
**2:05:35**
